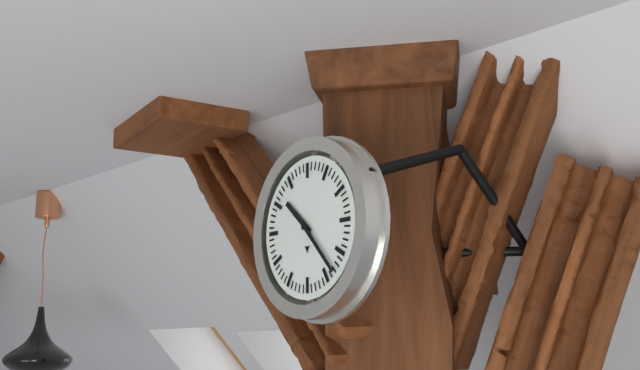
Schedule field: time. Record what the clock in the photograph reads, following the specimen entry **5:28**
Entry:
**10:23**
